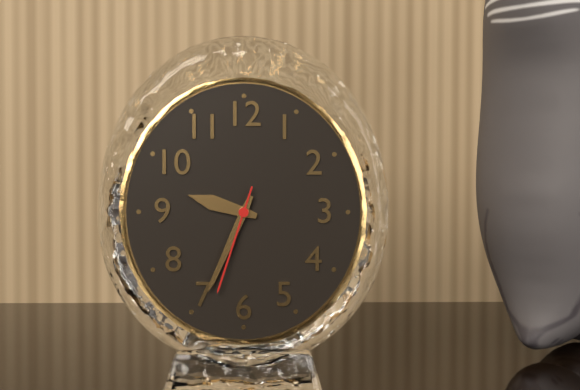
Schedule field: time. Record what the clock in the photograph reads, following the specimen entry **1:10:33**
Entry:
**9:34:33**
